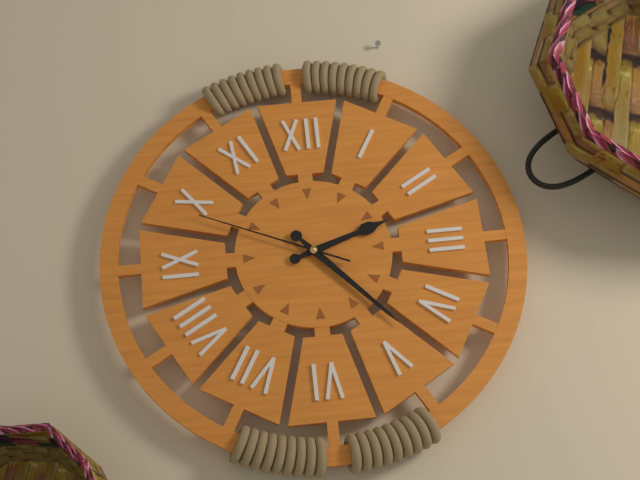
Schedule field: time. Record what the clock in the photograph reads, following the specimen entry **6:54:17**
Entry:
**2:23:49**
